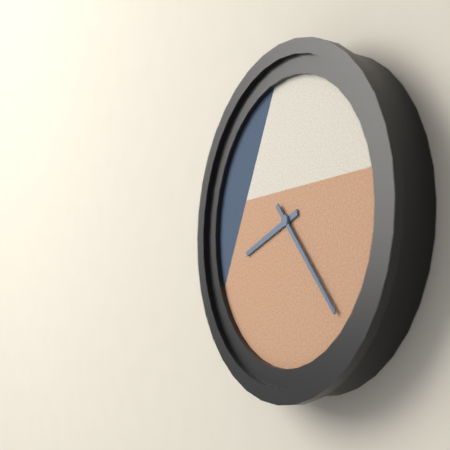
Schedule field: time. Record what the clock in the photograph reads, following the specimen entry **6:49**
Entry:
**8:23**
